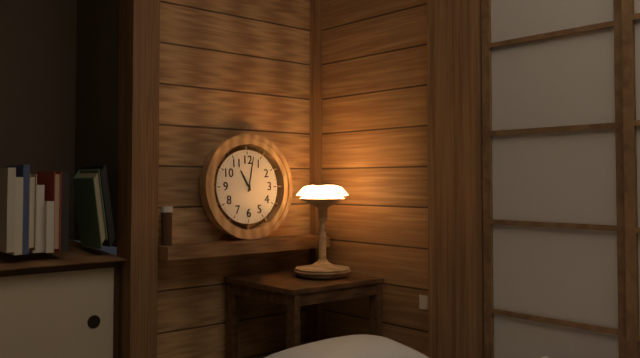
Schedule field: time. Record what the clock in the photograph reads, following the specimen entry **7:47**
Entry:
**11:02**
